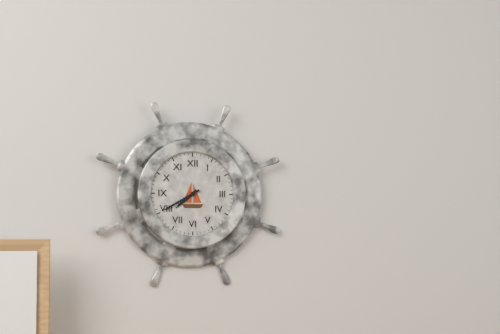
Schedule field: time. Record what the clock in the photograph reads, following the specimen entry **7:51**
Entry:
**7:40**
